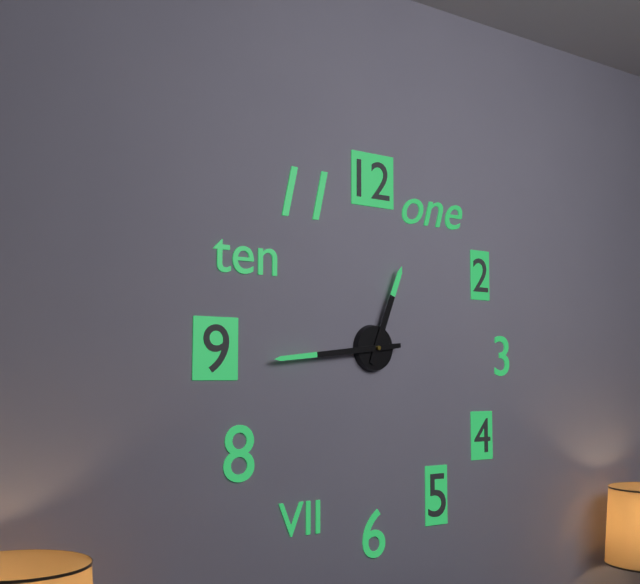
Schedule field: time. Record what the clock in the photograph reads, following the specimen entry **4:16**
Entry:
**12:44**
